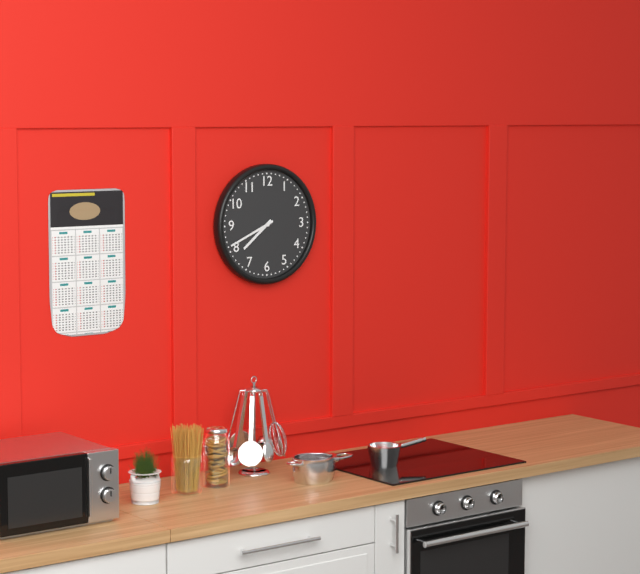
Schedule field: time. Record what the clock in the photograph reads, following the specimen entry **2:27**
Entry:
**7:41**
